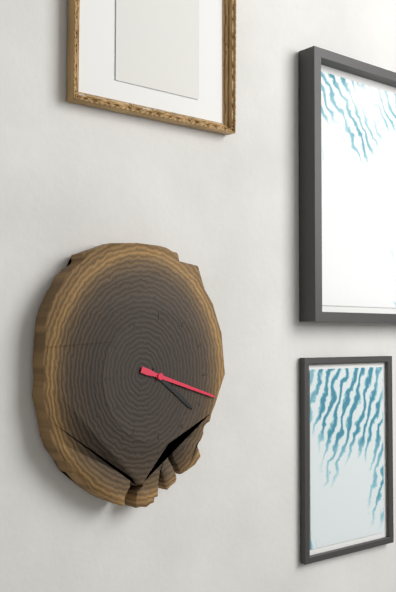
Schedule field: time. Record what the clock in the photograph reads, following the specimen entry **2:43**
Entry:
**4:18**
